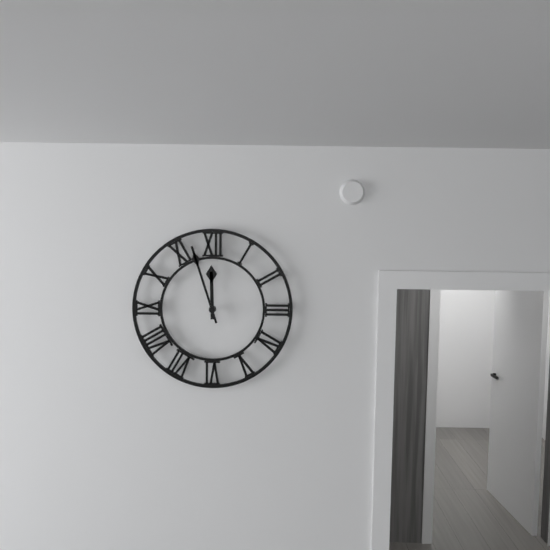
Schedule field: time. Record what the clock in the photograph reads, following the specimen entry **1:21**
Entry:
**11:57**
